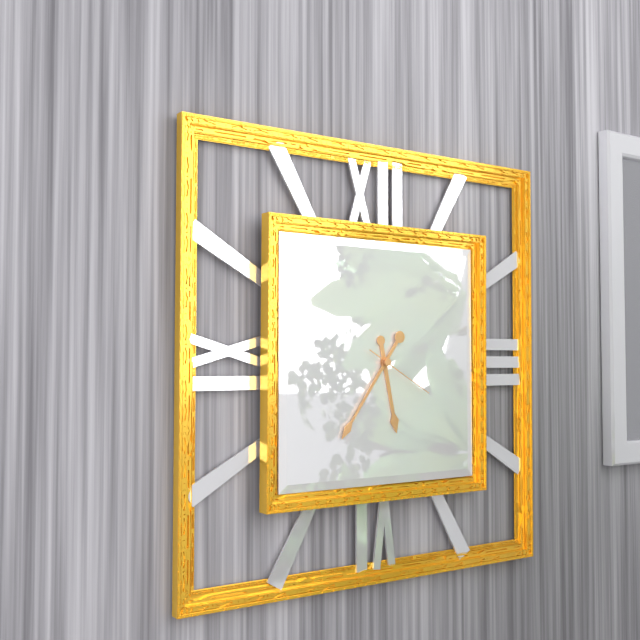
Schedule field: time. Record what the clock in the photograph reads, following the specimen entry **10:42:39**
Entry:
**5:36:20**
